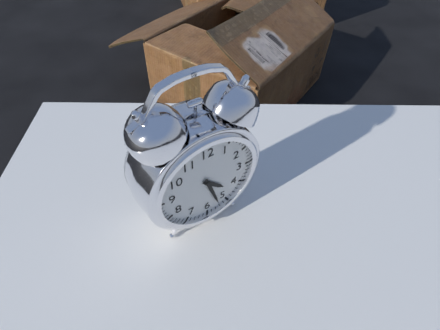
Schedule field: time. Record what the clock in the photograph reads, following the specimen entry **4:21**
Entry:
**4:27**
